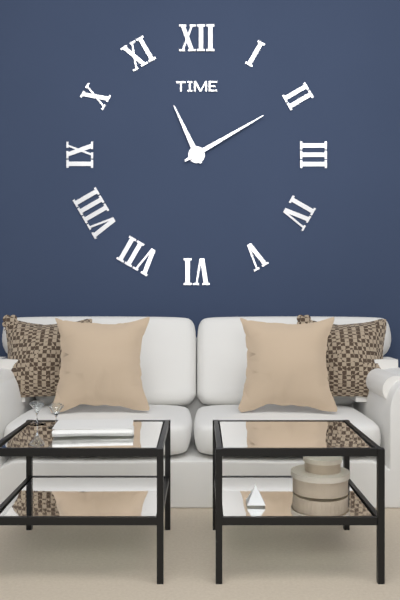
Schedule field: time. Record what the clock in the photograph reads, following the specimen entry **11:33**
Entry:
**11:10**
